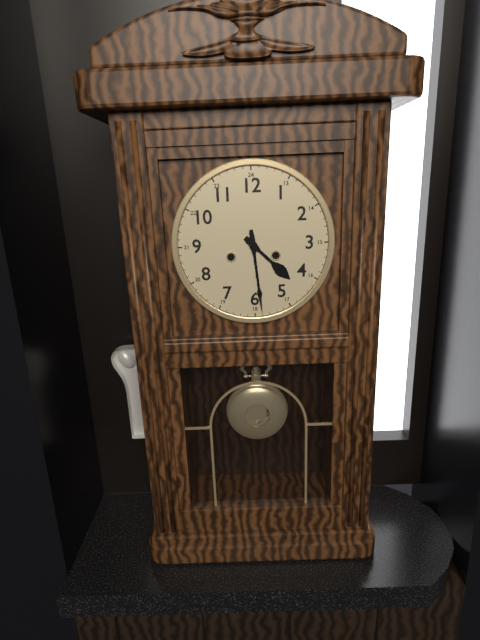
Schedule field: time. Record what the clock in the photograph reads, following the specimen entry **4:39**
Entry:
**4:29**
